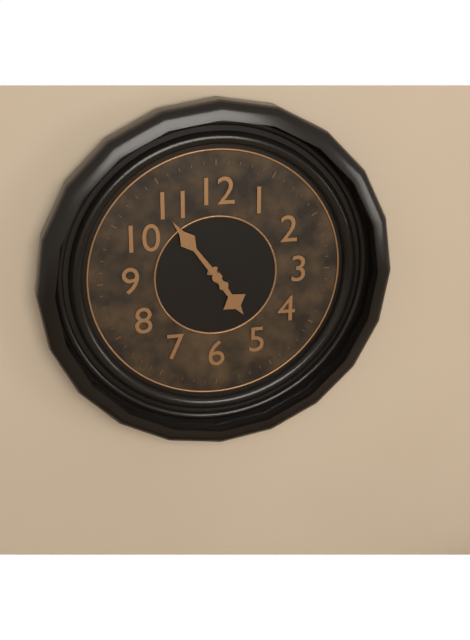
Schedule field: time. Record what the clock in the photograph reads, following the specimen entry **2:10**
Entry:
**4:54**
